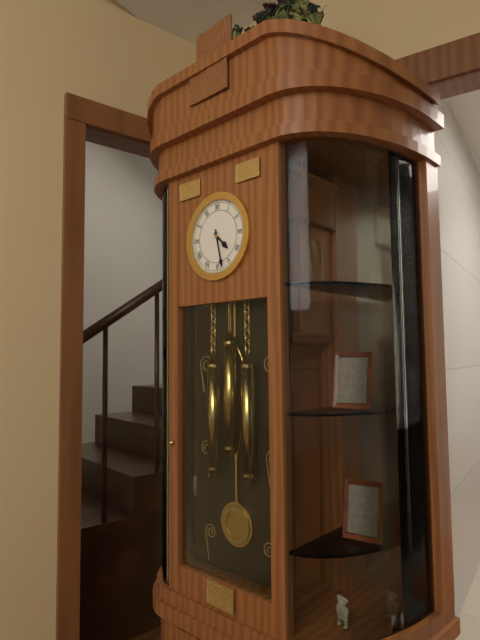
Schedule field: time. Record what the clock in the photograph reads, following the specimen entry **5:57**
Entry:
**4:28**
